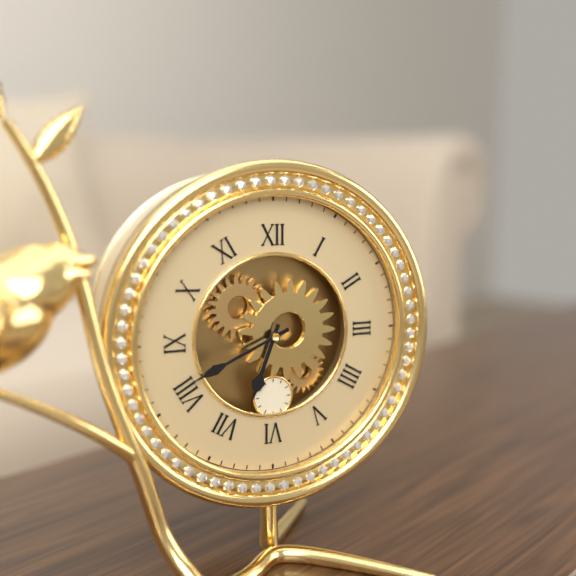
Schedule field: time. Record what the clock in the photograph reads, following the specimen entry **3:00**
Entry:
**6:41**
